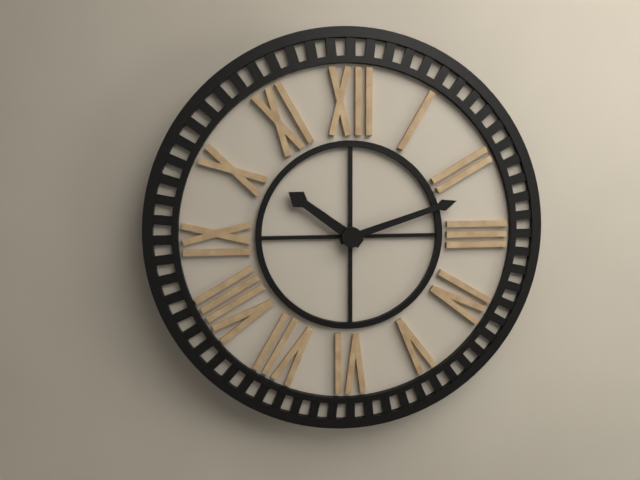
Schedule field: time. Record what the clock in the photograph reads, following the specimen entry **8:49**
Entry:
**10:12**
